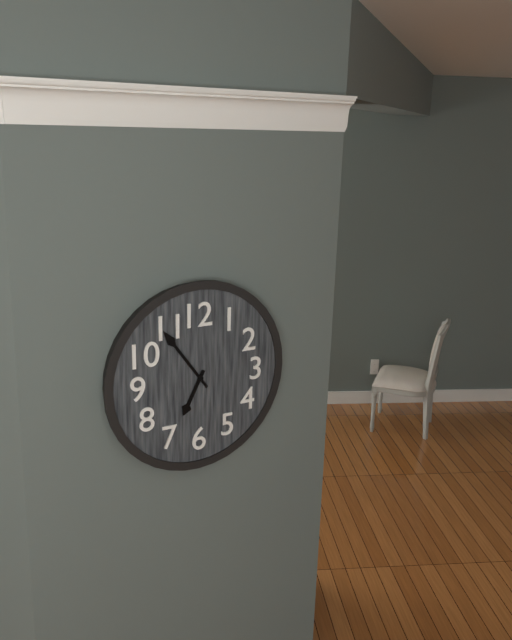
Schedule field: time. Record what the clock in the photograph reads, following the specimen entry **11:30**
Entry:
**6:54**
